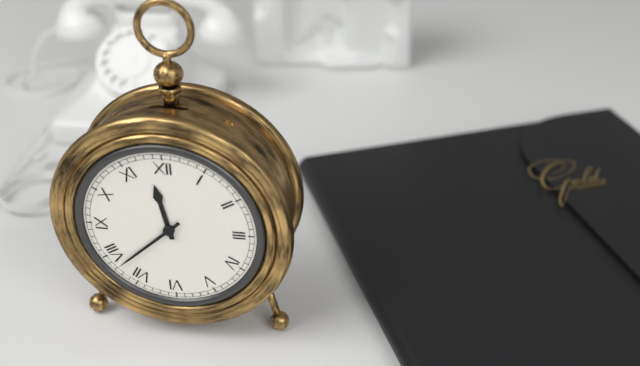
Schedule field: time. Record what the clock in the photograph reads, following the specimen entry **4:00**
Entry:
**11:38**
